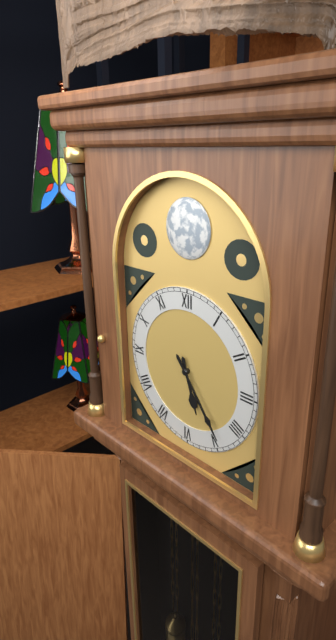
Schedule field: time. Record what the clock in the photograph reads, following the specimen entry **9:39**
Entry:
**5:24**
